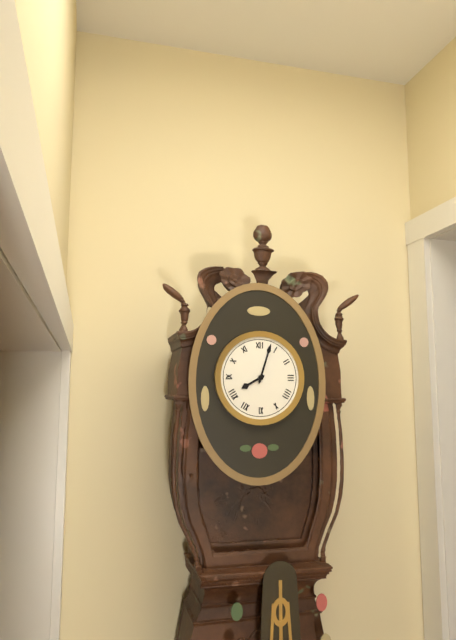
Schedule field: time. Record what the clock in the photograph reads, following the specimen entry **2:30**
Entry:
**8:03**
